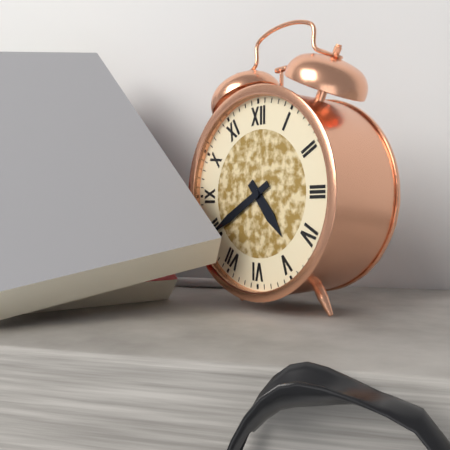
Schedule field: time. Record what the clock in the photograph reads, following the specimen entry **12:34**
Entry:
**4:40**
